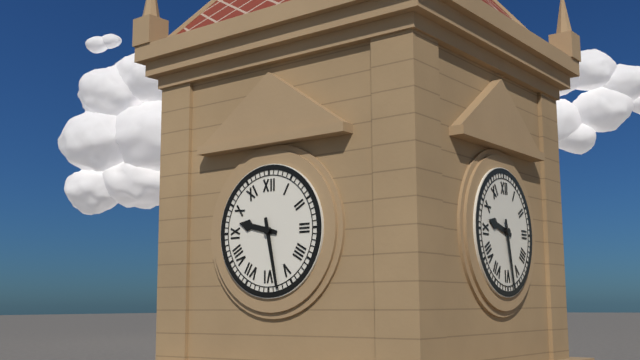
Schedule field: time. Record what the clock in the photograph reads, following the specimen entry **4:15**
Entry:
**9:28**
